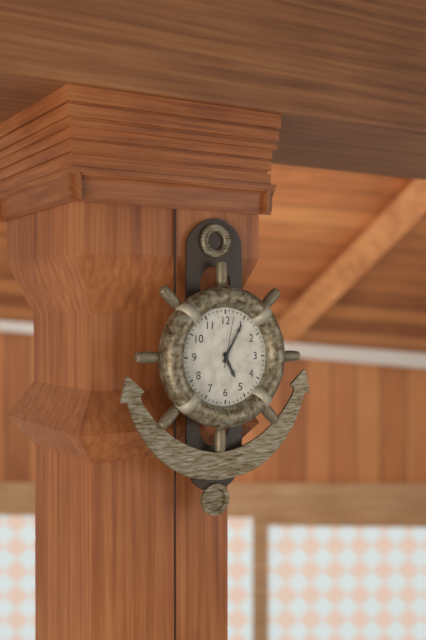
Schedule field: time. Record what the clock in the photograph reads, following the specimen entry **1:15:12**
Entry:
**5:05:02**
